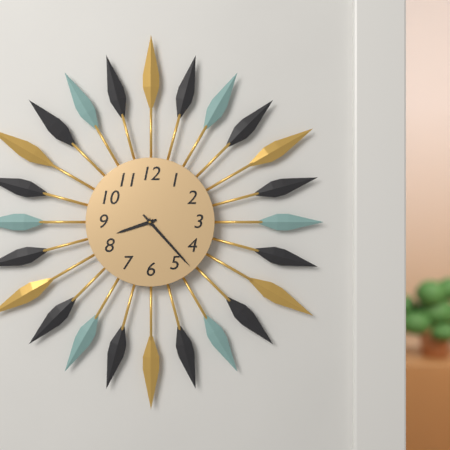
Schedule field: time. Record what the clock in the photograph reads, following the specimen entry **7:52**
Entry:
**8:23**
